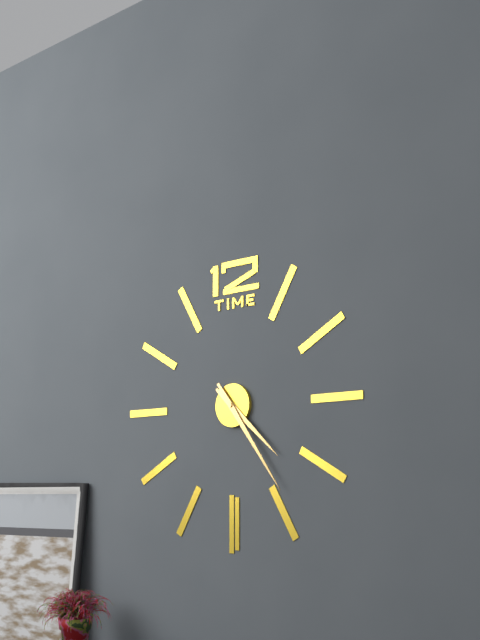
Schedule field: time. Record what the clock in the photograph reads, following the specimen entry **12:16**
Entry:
**4:24**
